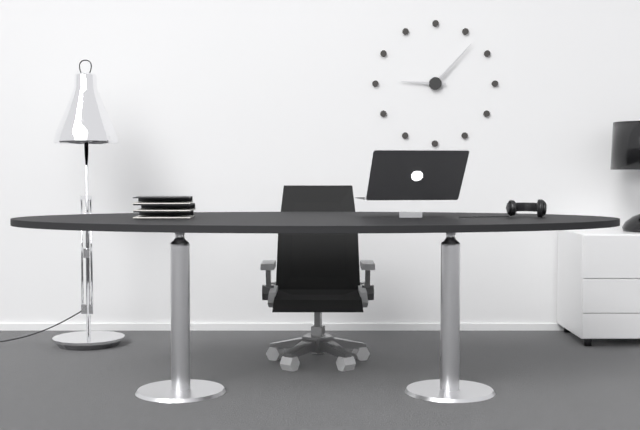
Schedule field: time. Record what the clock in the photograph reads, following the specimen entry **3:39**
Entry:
**9:07**
